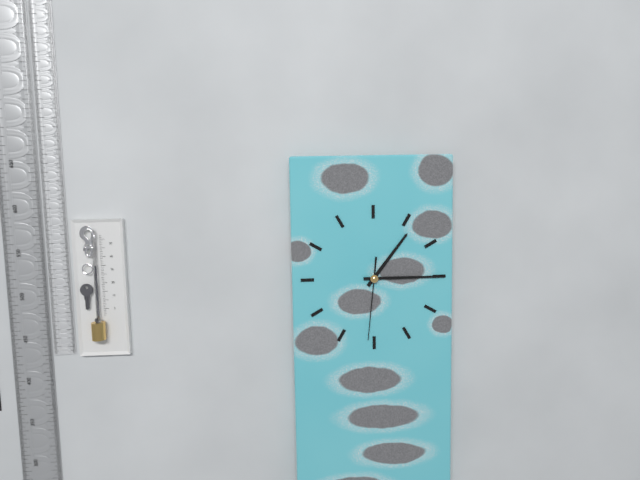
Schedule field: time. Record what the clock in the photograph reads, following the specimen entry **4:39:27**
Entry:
**1:15:31**
